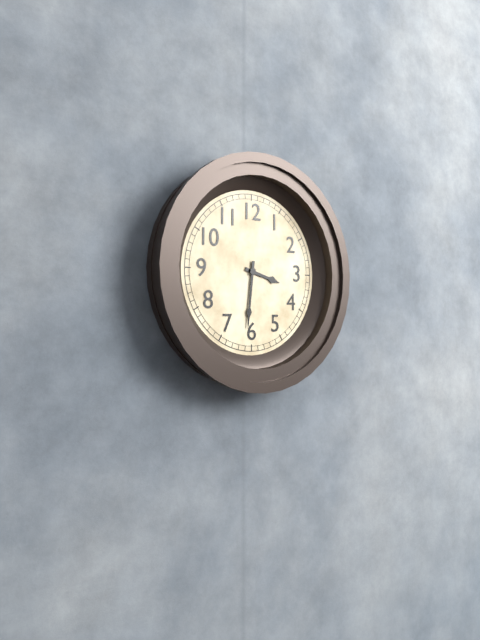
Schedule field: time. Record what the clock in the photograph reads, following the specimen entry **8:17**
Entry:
**3:31**
